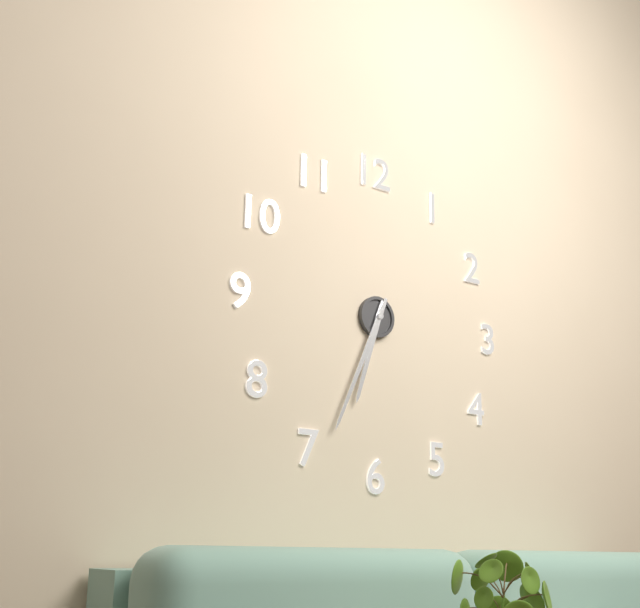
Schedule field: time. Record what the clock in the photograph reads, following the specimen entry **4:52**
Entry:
**6:34**
